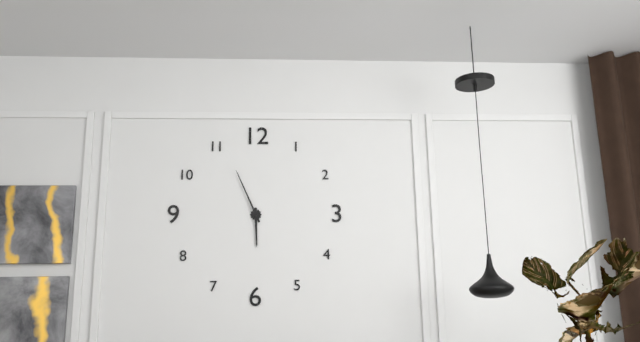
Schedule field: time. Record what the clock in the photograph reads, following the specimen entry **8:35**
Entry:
**5:56**
